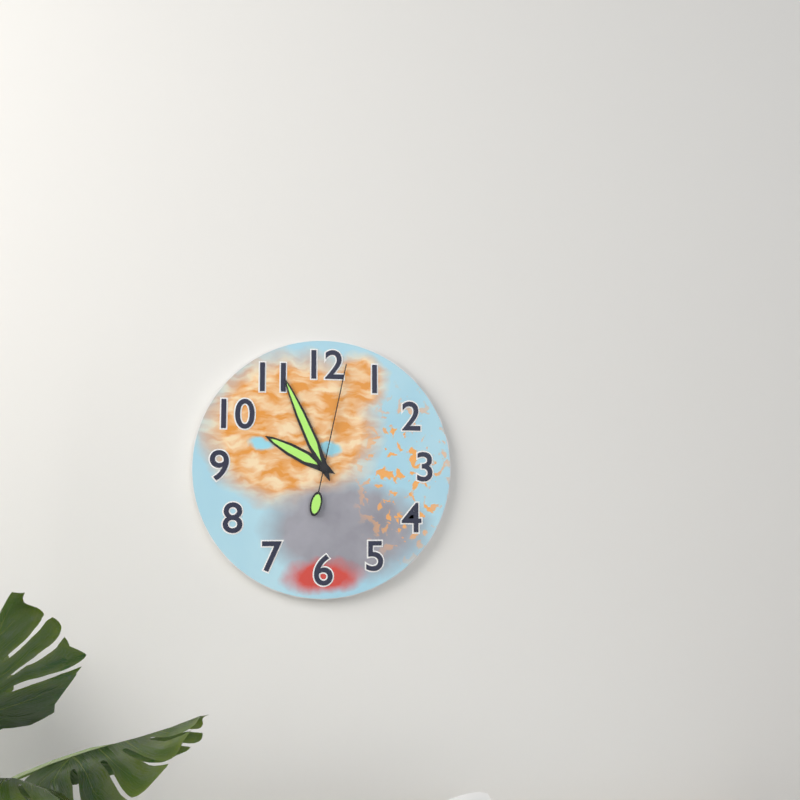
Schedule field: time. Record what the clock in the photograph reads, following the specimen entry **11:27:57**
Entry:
**9:56:02**
